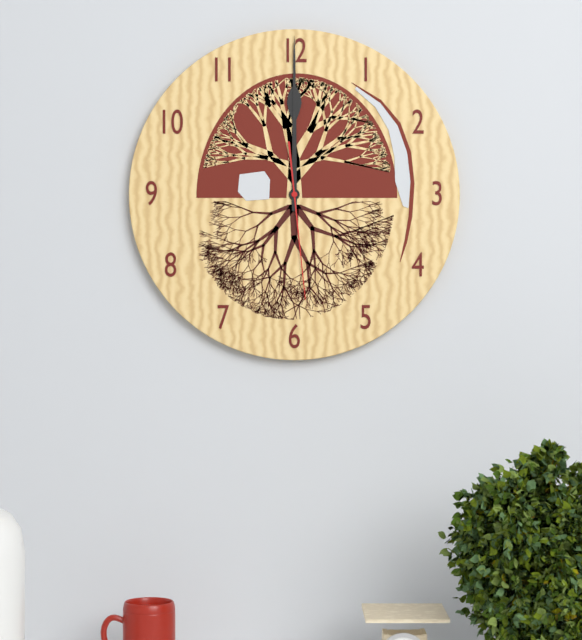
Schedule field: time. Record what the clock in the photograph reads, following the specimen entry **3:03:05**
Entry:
**12:00:29**
